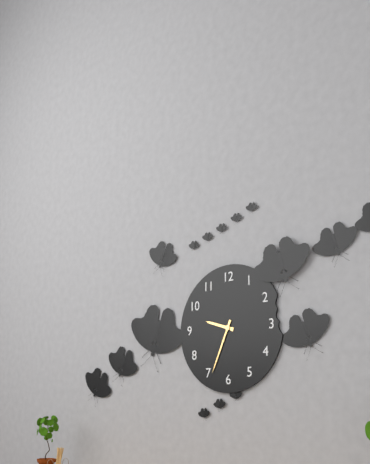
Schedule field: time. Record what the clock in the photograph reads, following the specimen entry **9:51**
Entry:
**9:34**
